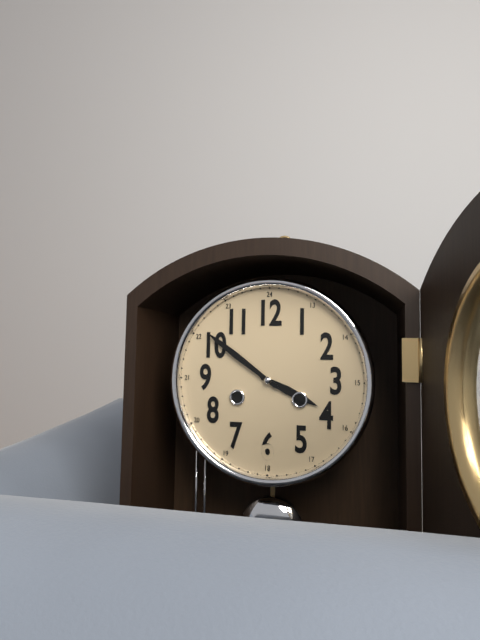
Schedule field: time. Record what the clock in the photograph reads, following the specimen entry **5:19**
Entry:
**3:51**
